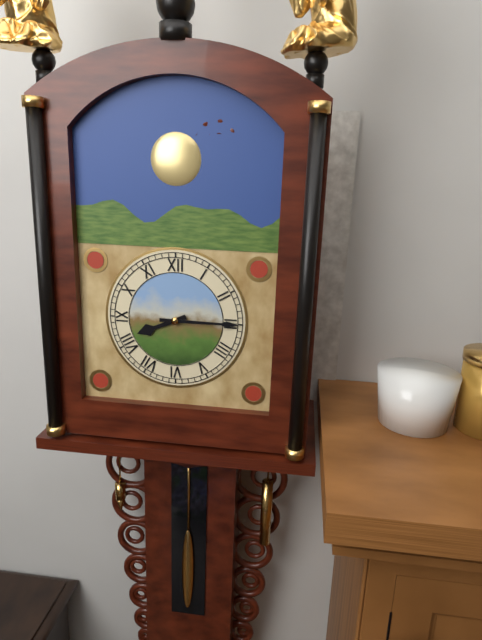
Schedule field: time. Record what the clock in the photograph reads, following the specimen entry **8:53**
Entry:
**8:15**
